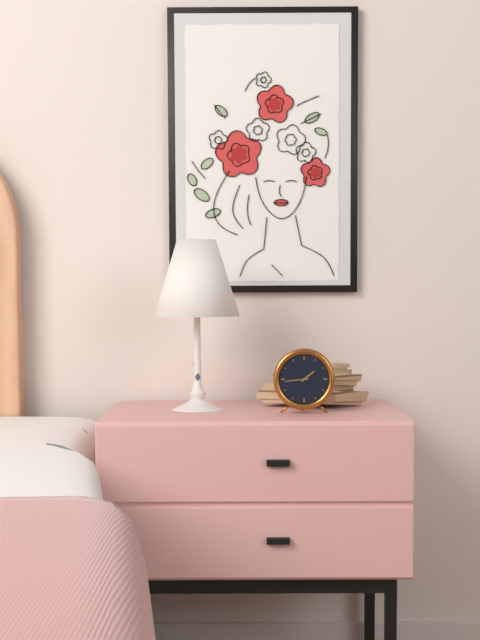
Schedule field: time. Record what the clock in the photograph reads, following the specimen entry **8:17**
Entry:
**1:44**
